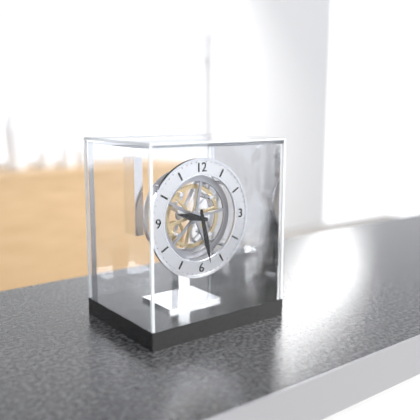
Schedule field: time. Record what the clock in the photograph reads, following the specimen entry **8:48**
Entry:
**9:28**
